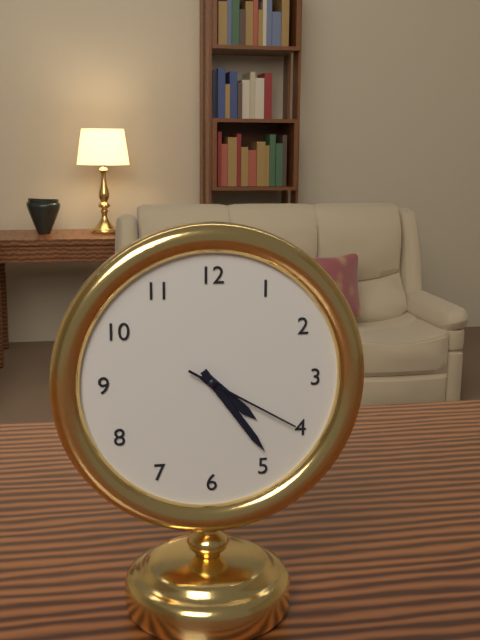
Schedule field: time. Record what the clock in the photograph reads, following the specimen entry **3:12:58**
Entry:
**4:24:20**
